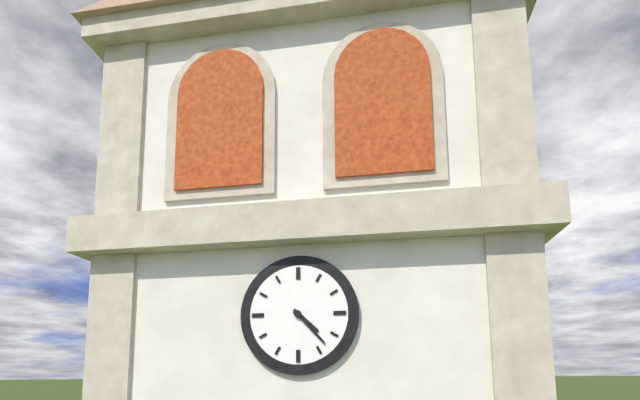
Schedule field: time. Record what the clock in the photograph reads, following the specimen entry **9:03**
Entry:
**4:23**
